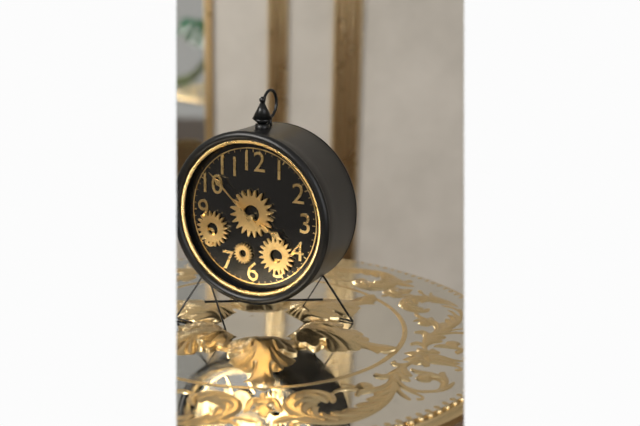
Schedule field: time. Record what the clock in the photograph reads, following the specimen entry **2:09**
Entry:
**3:52**
